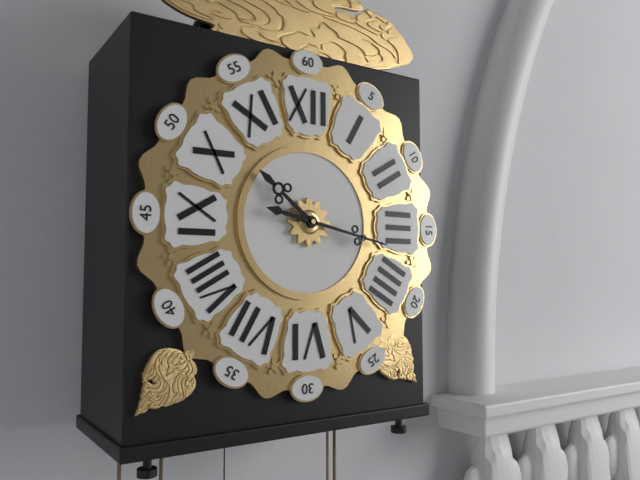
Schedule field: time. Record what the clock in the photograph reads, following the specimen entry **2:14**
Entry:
**10:17**
